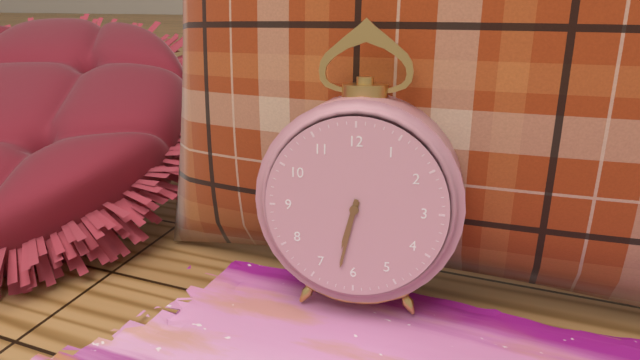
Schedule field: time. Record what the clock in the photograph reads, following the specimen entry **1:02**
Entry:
**6:32**
